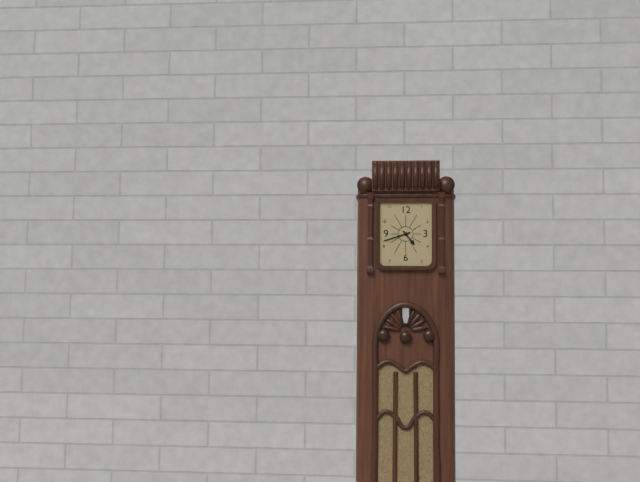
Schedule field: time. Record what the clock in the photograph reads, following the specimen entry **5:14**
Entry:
**4:42**
